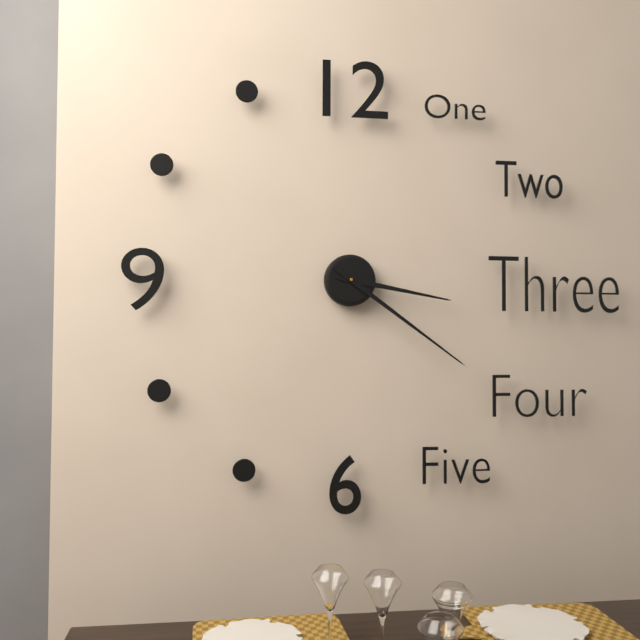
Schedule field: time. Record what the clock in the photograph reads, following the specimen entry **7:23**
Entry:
**3:21**
